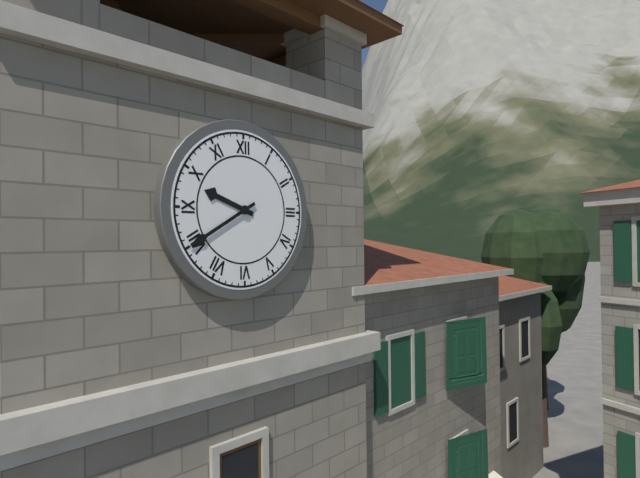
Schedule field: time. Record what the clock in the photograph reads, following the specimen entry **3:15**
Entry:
**9:40**
